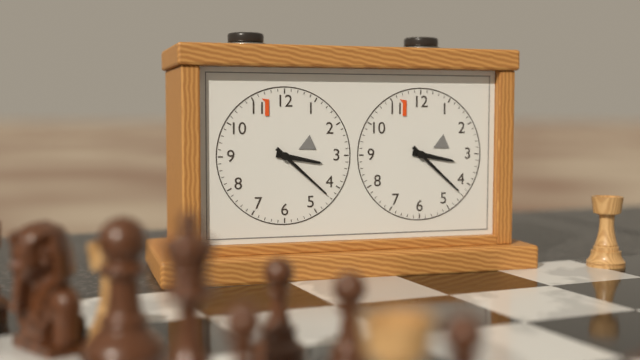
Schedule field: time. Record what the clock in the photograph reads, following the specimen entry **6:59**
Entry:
**3:22**
